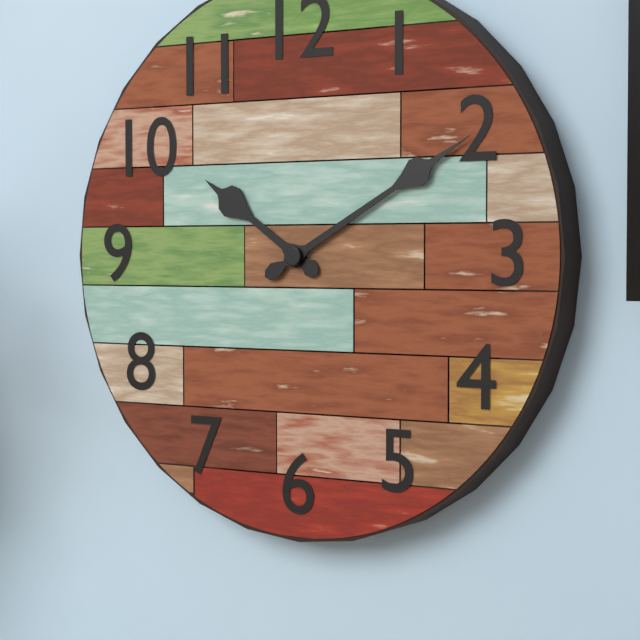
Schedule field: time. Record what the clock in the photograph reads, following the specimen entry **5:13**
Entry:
**10:10**
